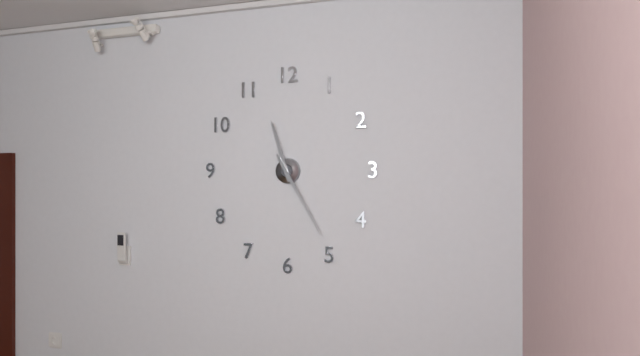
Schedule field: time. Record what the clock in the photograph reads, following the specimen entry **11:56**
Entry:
**11:25**
